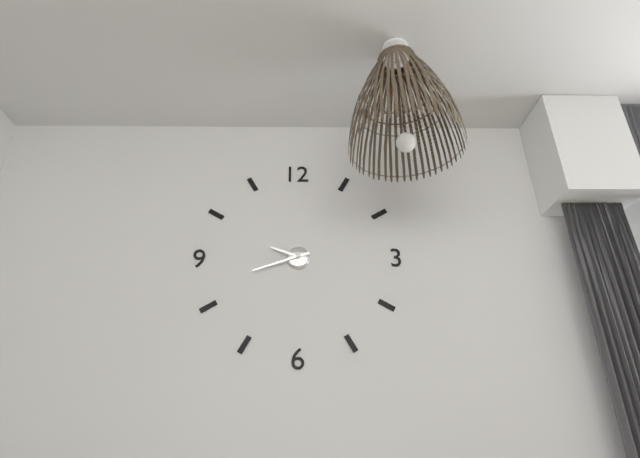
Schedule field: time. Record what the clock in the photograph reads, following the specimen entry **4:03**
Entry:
**9:42**
